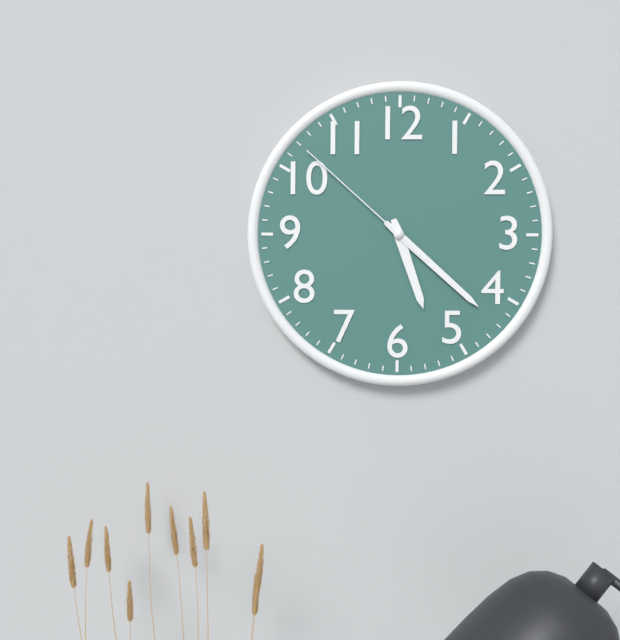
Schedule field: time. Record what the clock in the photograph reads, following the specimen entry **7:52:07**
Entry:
**5:22:52**
